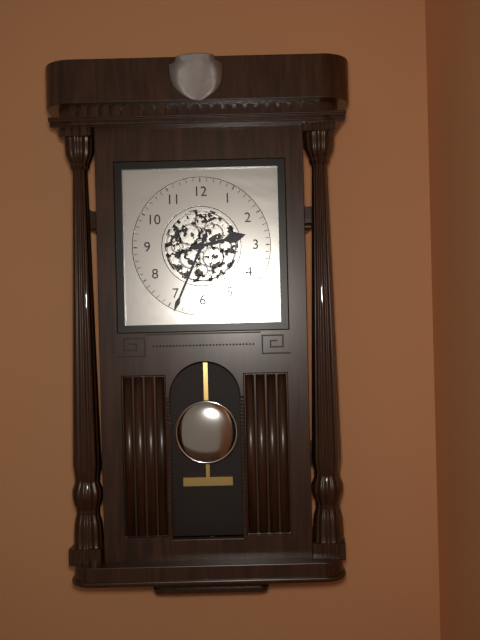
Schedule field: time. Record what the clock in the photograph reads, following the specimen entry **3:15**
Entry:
**2:34**
